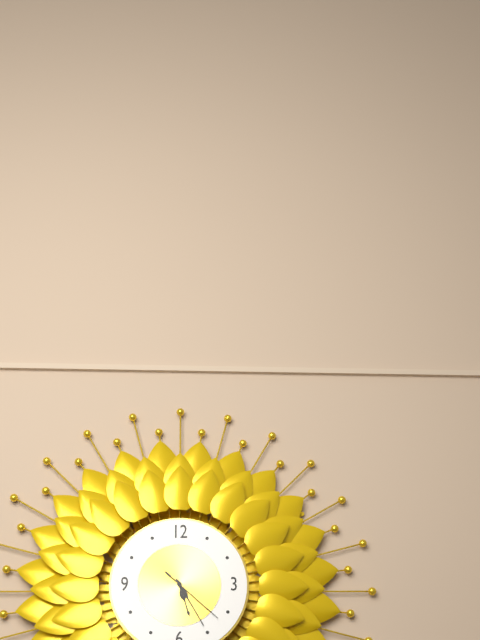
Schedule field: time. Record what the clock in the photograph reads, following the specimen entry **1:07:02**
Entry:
**5:25:22**
